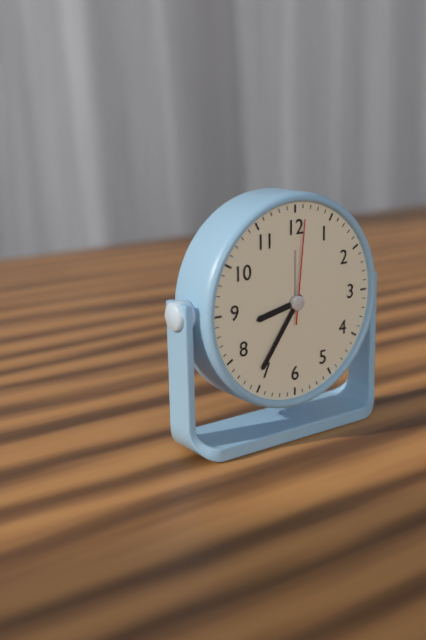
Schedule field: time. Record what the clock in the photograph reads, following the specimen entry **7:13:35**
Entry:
**8:36:01**
